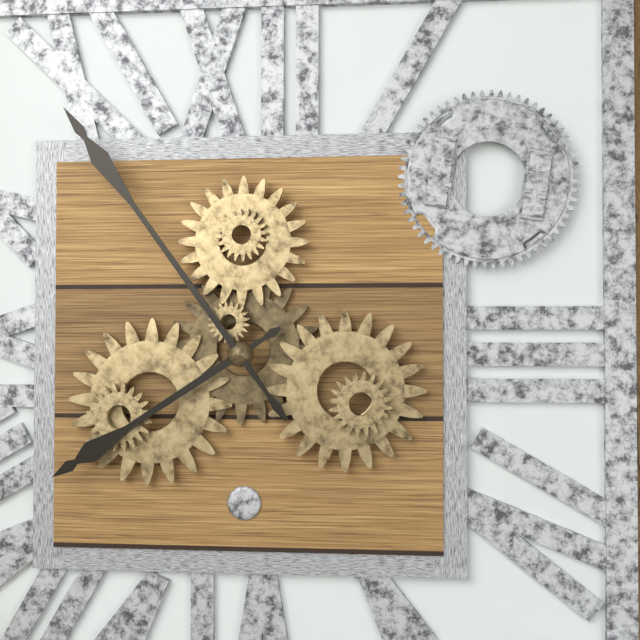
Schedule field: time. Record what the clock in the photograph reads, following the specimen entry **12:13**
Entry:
**7:54**
